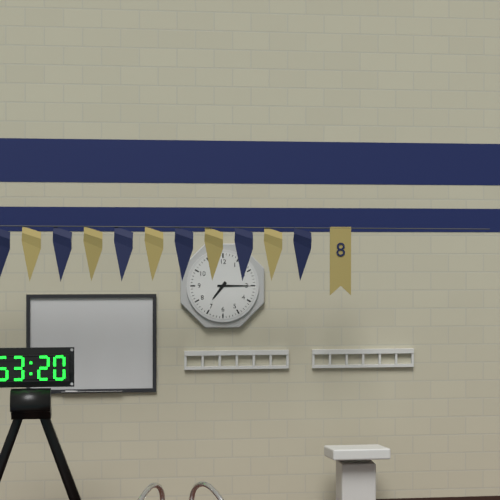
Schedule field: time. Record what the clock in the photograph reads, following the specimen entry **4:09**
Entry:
**7:15**
